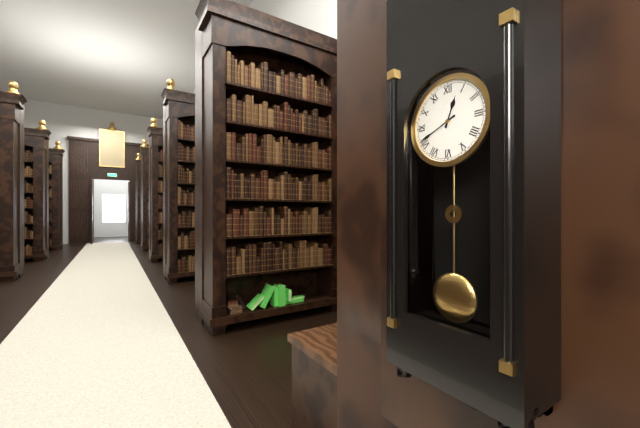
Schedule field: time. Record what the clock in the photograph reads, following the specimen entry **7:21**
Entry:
**12:41**
